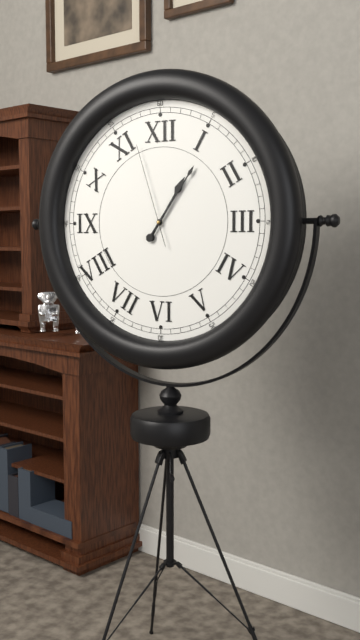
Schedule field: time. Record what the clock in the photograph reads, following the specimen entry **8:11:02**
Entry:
**1:06:57**
